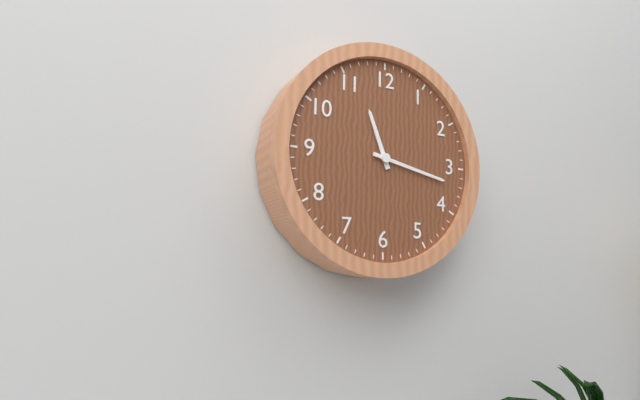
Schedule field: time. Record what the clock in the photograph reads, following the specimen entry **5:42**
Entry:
**11:17**
